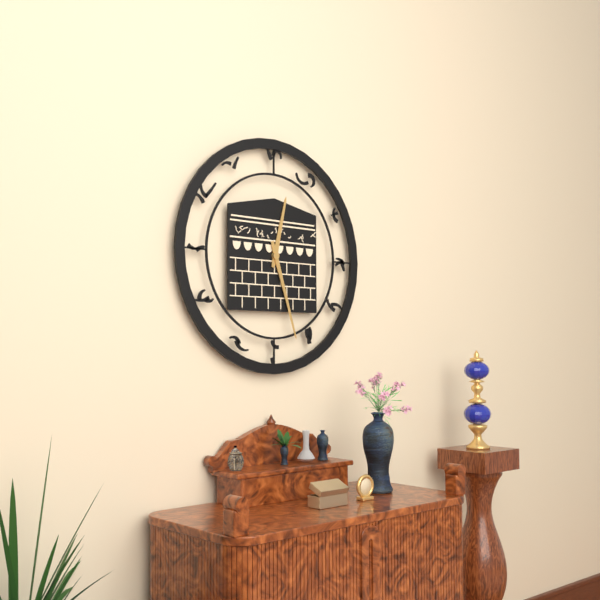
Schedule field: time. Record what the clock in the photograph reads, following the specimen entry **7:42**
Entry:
**12:27**
